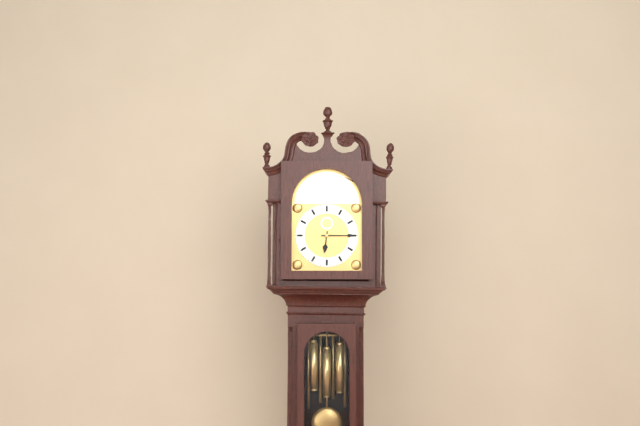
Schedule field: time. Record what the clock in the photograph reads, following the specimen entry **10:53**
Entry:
**6:15**
